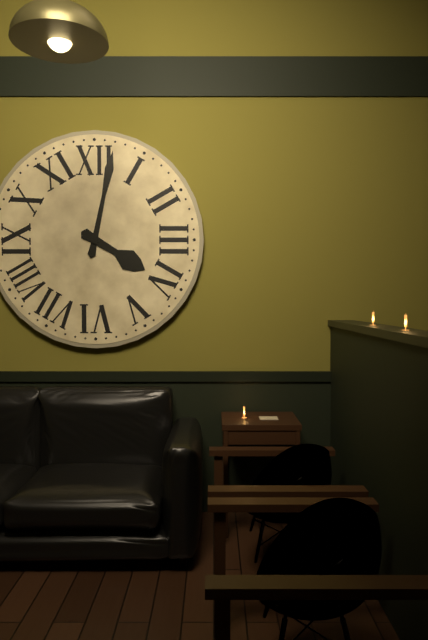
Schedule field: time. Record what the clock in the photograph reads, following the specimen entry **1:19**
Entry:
**4:02**
